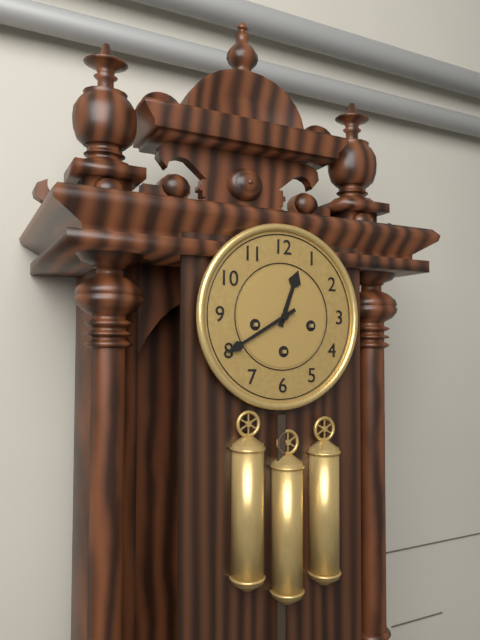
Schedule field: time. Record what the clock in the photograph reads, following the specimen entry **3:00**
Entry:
**12:40**
